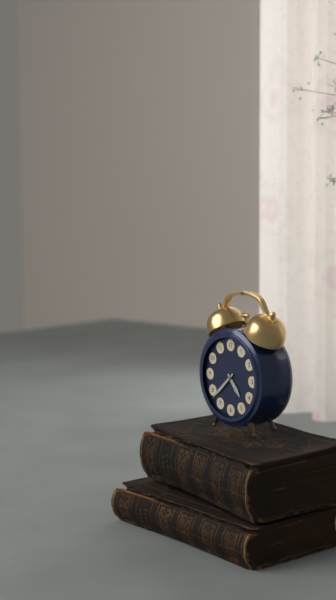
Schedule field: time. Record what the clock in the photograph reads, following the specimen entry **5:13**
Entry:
**4:38**
